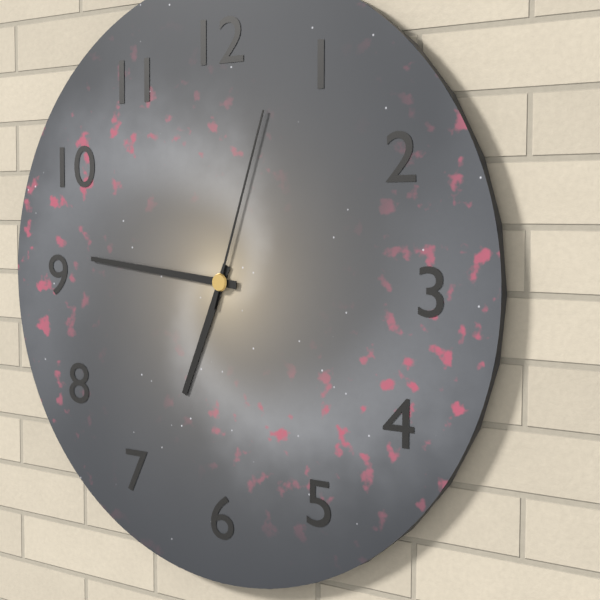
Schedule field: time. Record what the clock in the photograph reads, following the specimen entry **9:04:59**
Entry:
**6:46:03**
